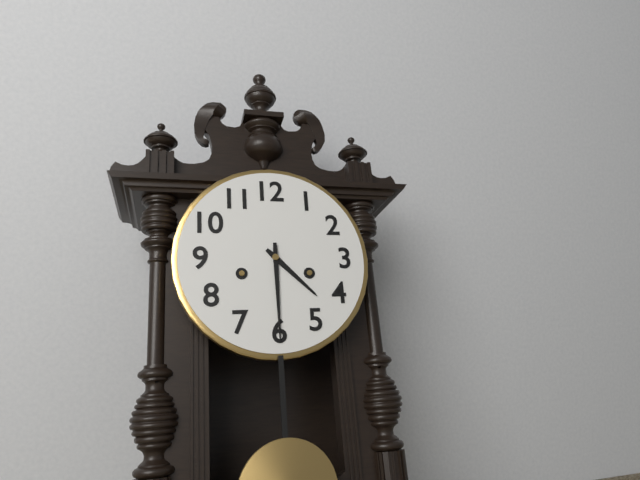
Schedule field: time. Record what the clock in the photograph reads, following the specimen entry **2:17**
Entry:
**4:30**
